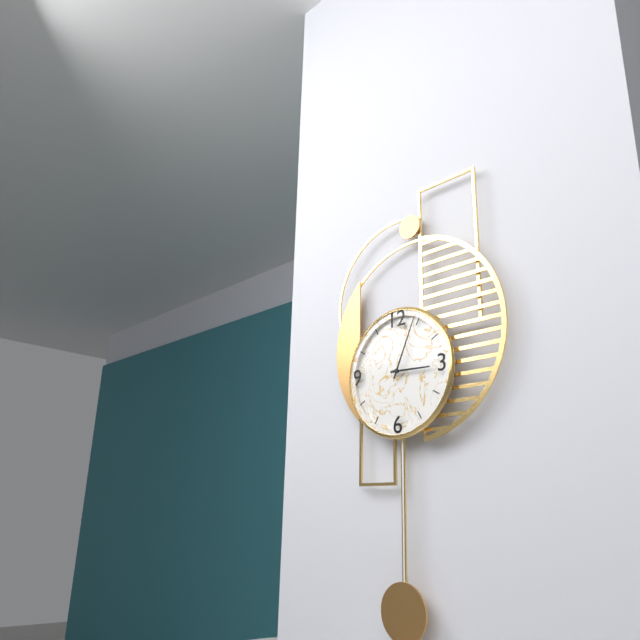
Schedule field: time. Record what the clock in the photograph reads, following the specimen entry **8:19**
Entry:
**3:04**
